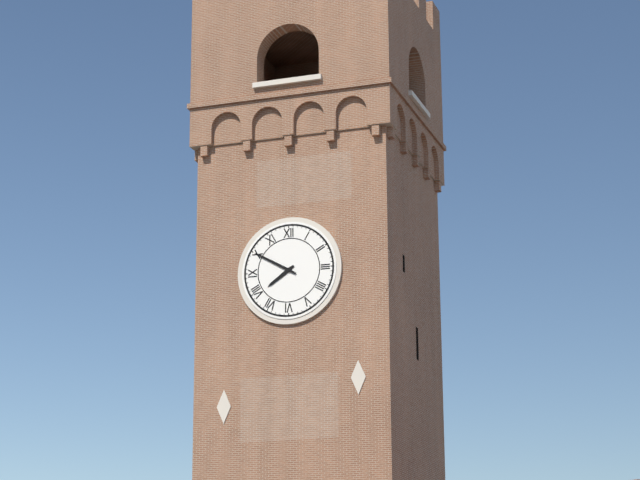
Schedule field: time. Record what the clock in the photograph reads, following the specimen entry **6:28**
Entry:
**7:50**
